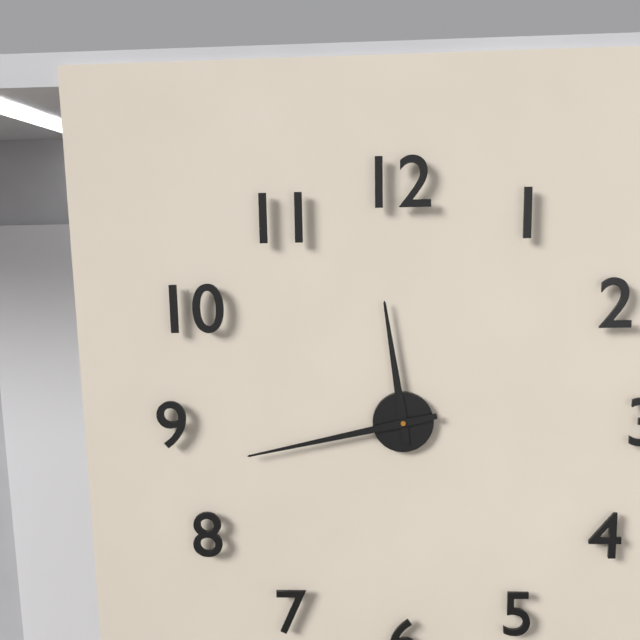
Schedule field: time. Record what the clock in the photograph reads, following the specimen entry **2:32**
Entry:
**11:43**
